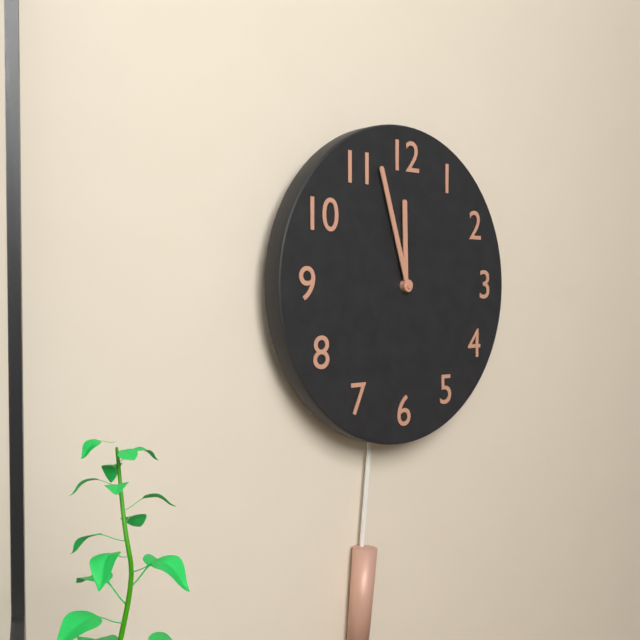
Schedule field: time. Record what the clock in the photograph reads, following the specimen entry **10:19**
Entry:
**11:57**
